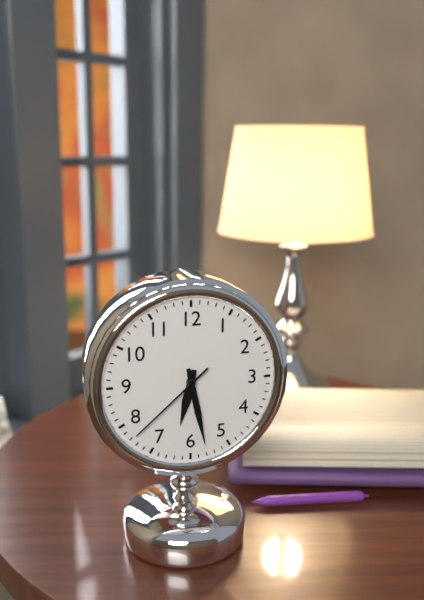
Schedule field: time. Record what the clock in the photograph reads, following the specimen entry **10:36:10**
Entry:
**6:28:38**
